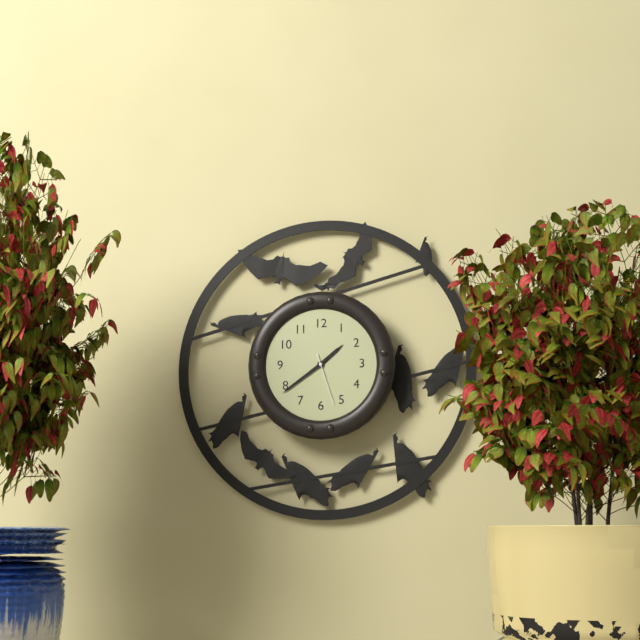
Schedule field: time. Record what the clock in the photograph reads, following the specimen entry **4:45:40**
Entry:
**1:39:27**
